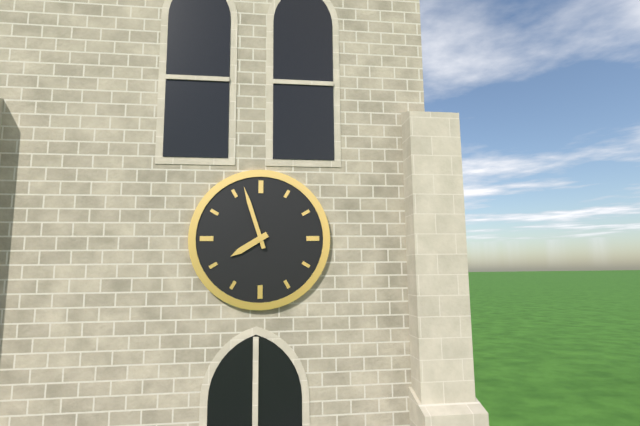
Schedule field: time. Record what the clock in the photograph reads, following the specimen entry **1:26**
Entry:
**7:57**
